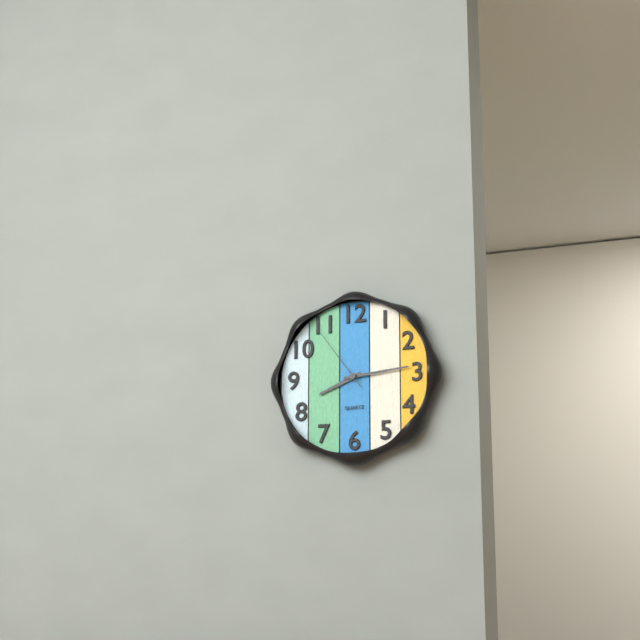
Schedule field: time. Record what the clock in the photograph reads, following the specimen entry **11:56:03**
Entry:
**8:14:54**
